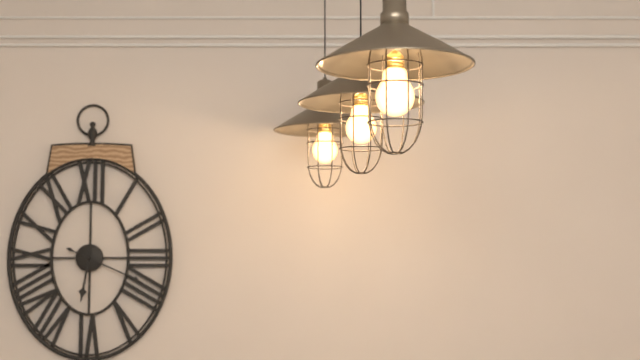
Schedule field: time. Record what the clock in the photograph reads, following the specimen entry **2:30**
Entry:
**6:19**
